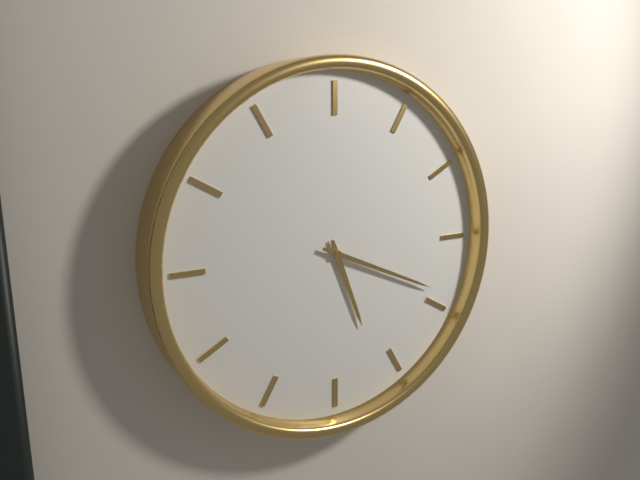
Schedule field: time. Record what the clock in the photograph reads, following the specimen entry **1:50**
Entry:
**5:19**
